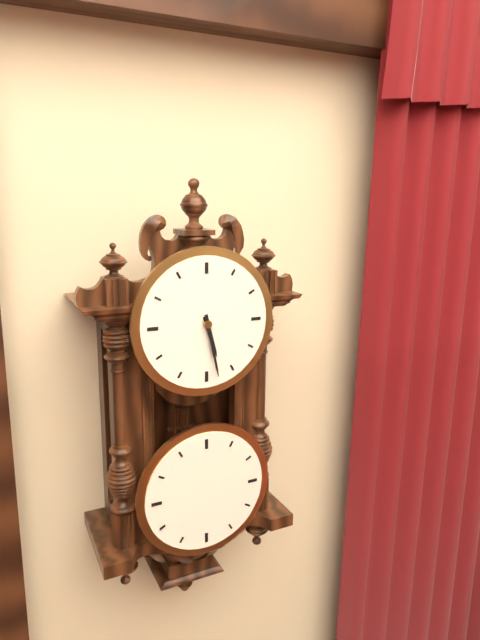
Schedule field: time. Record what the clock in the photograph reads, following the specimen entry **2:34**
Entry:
**5:28**
